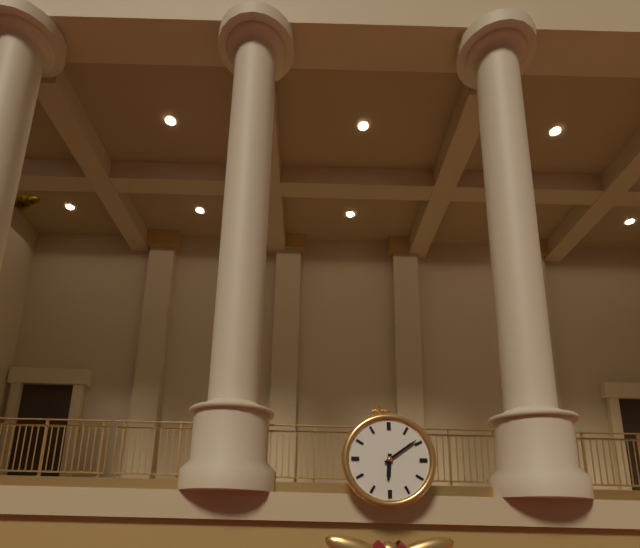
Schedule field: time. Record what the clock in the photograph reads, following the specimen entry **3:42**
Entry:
**6:09**
